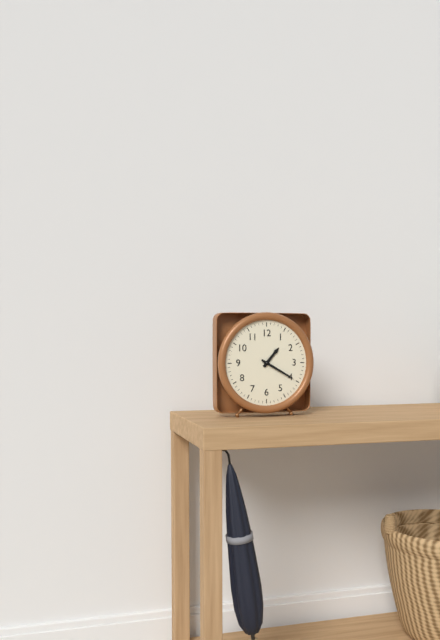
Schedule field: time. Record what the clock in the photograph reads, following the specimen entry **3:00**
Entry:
**1:20**
